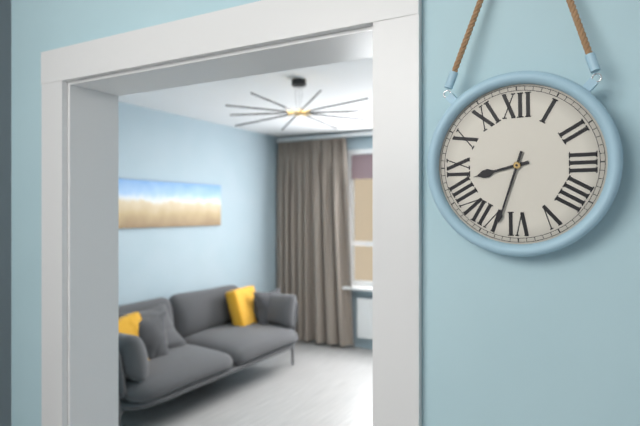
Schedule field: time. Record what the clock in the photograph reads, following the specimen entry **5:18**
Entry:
**8:33**
